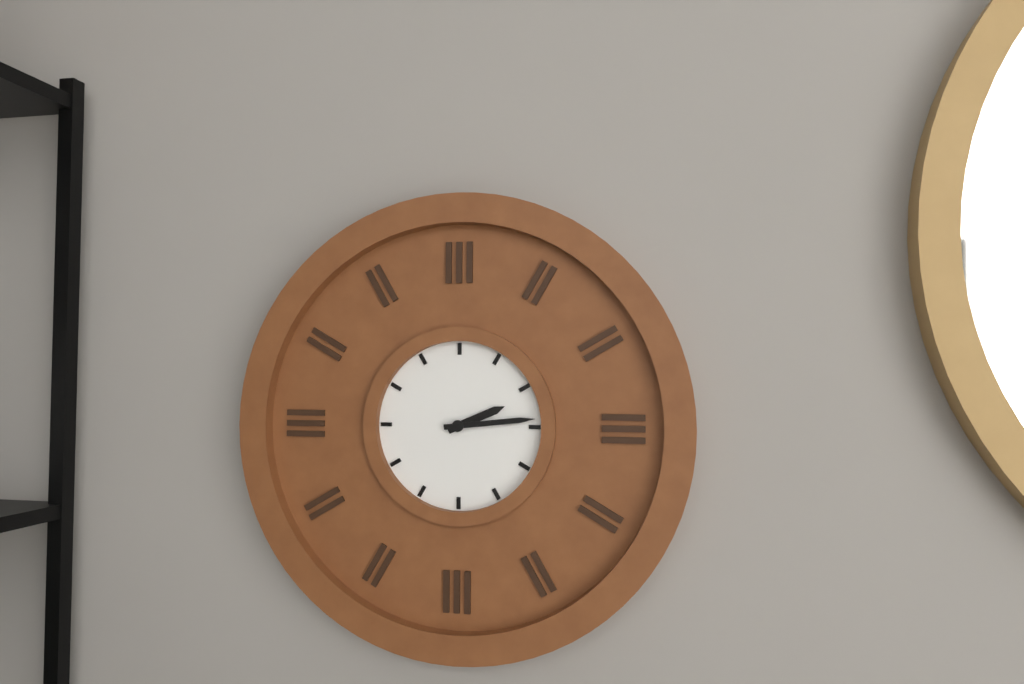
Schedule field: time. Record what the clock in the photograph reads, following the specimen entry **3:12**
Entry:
**2:14**
